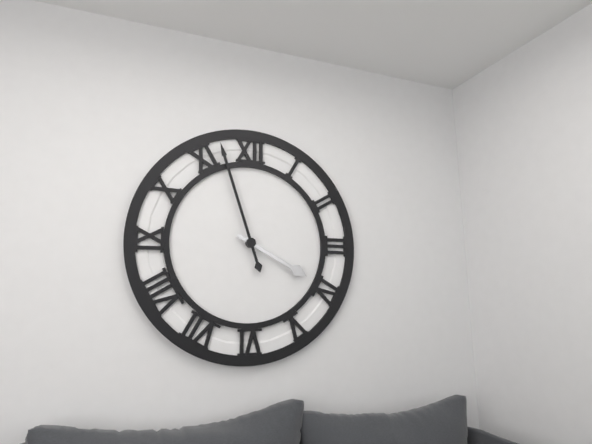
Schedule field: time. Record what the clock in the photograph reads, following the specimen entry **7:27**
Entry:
**3:57**
